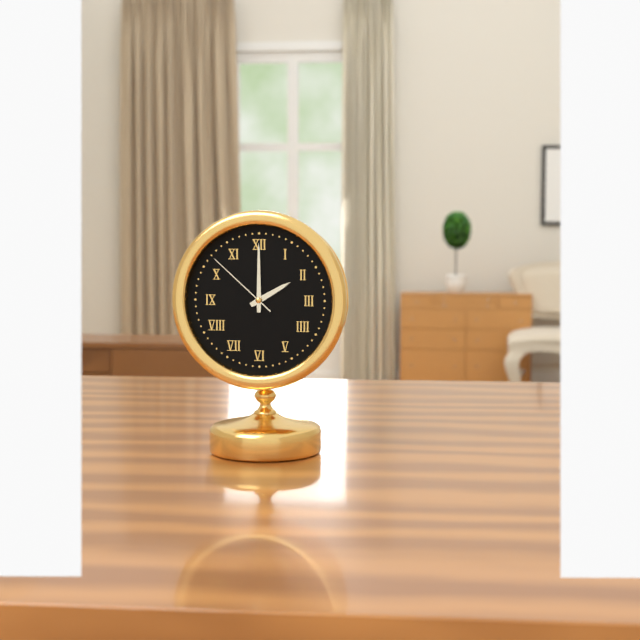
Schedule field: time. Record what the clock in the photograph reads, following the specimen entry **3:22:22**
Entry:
**2:00:52**
